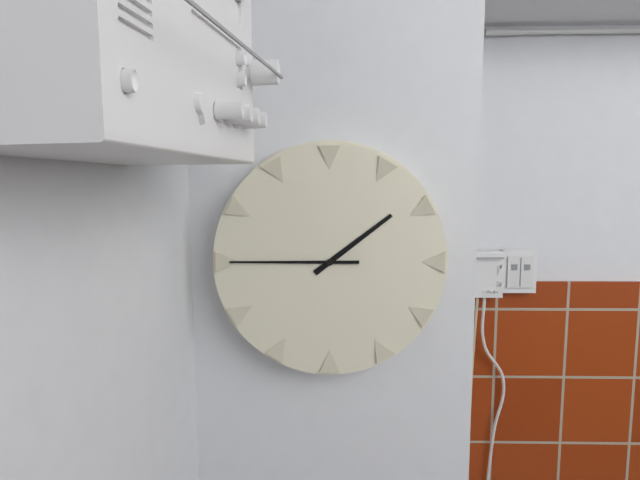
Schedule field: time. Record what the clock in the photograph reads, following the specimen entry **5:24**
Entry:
**1:45**
